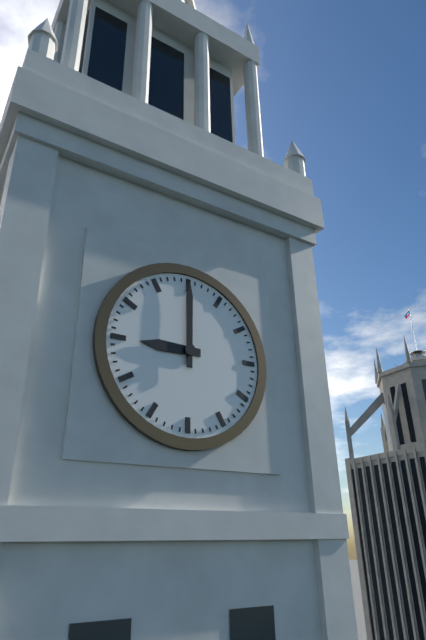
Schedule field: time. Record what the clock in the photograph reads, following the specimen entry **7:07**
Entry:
**9:00**
